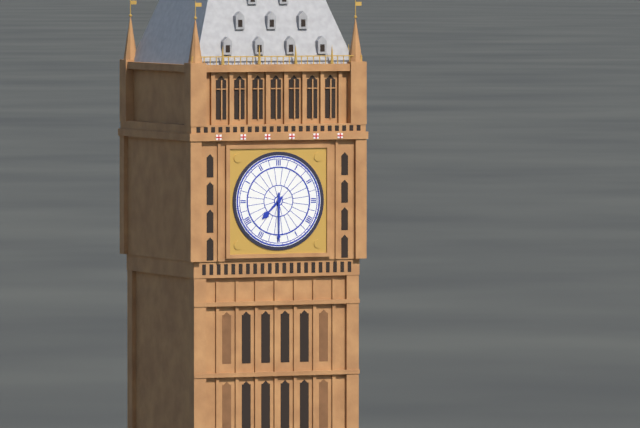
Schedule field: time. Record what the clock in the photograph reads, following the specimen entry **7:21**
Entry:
**7:30**
